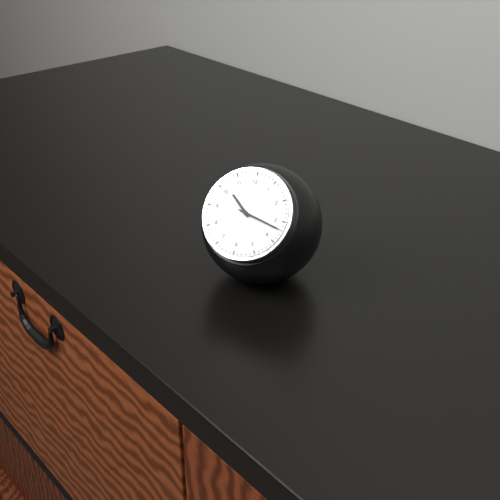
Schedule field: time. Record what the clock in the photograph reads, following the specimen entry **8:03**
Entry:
**10:17**
